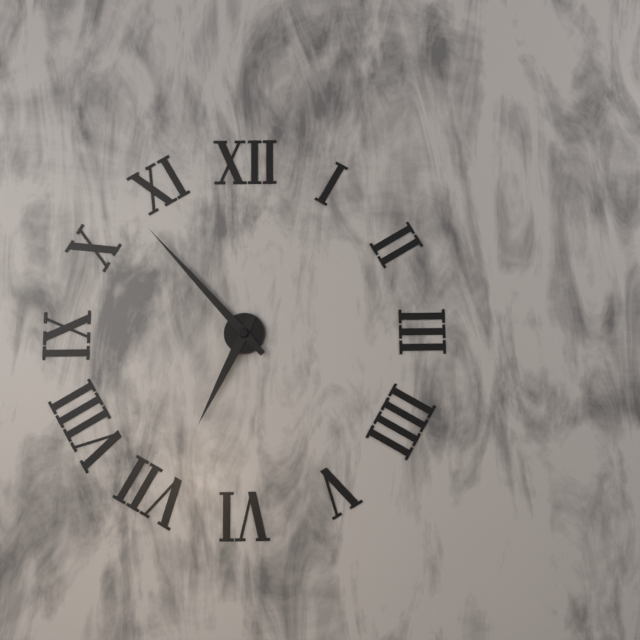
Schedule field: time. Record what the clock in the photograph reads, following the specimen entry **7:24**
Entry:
**6:53**
